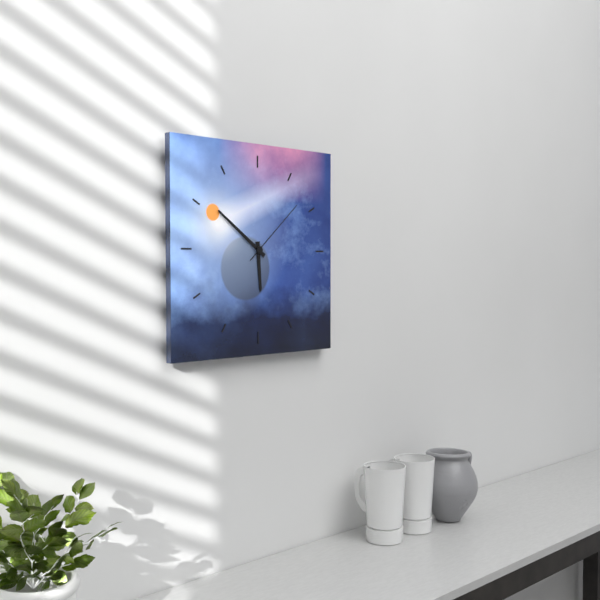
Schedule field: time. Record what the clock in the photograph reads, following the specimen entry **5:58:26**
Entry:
**5:51:08**
